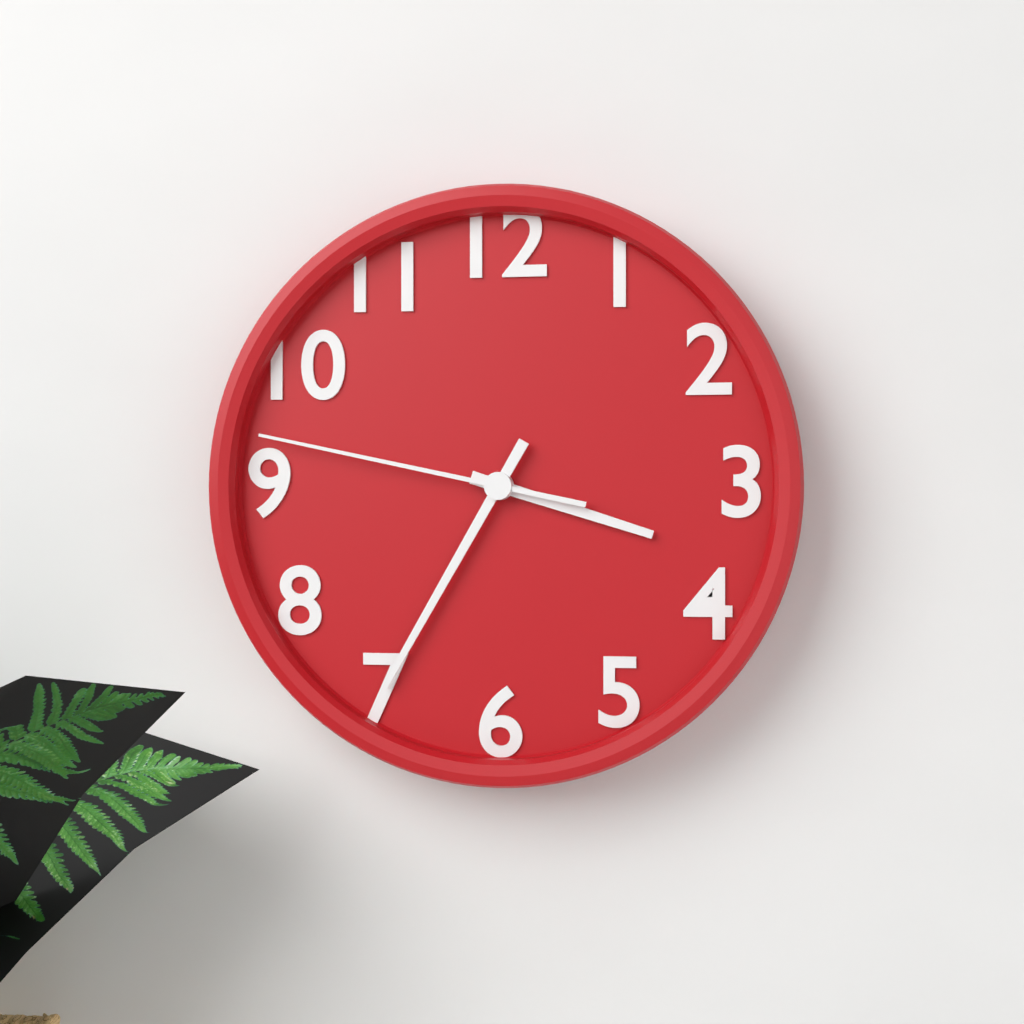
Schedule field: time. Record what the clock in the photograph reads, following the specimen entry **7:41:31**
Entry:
**3:35:47**
